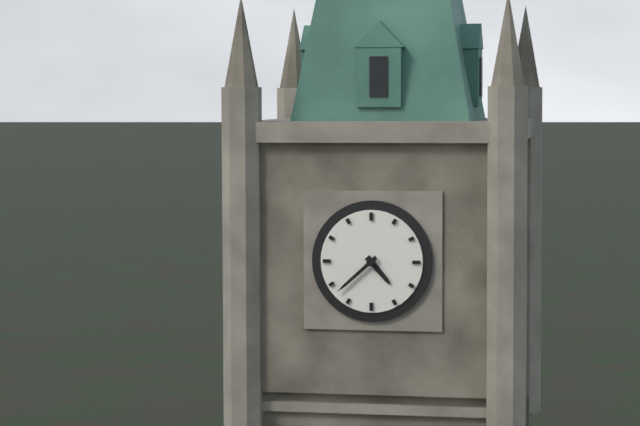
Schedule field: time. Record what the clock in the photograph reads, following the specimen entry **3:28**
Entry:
**4:38**
